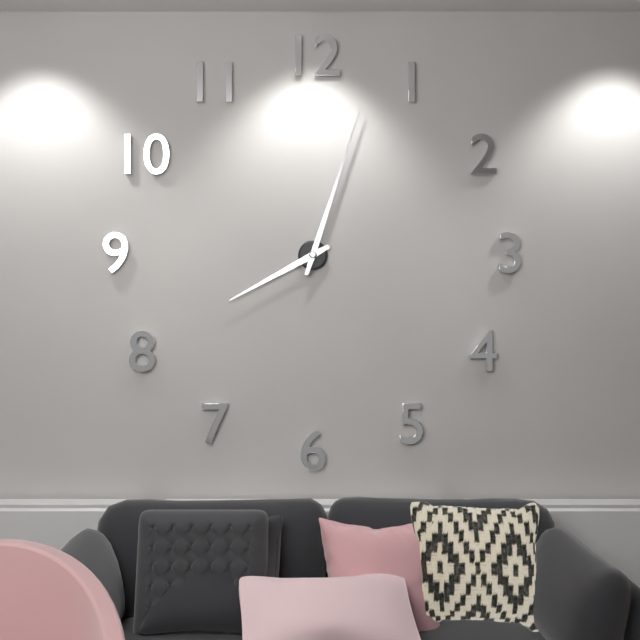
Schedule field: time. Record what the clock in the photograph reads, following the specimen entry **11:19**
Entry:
**8:03**
